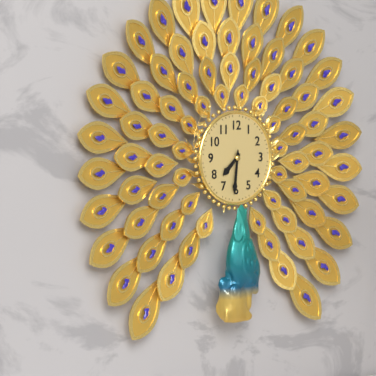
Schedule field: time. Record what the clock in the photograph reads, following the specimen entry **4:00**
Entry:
**7:31**
